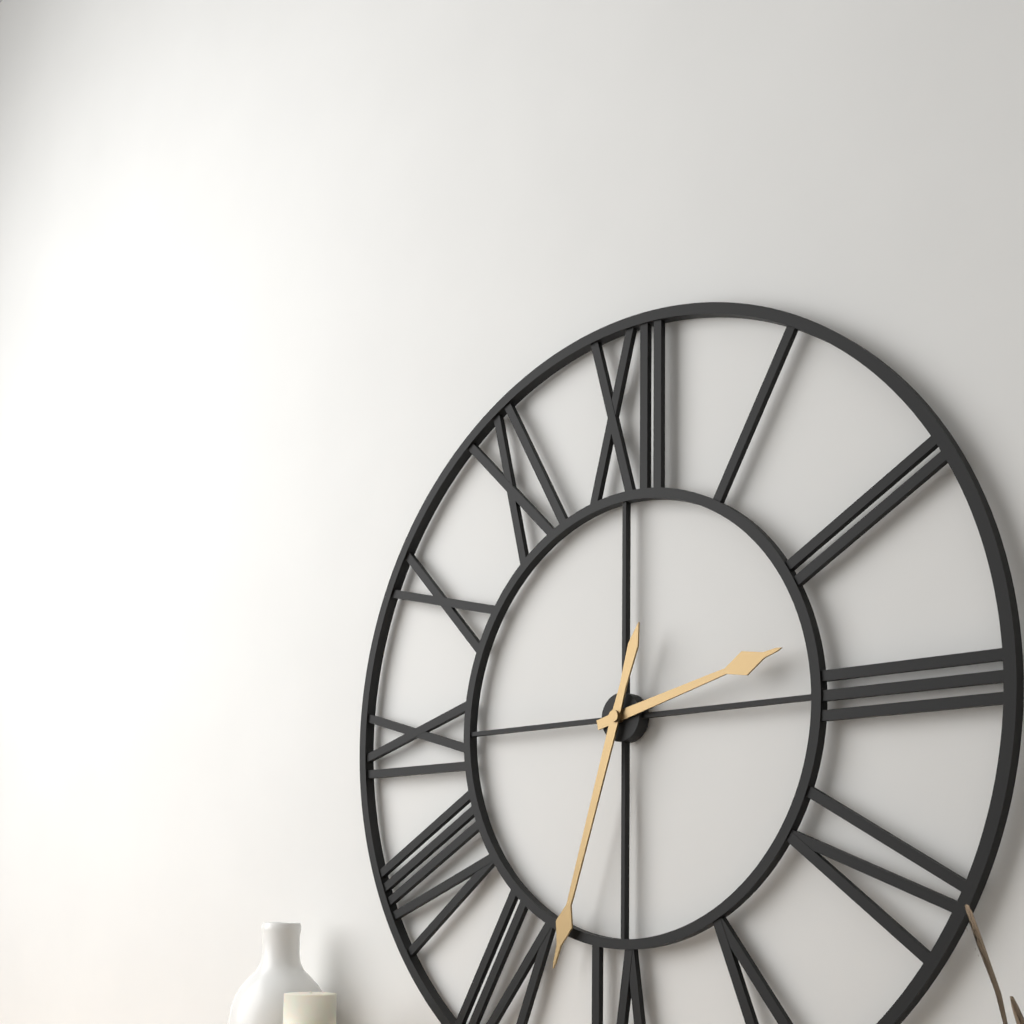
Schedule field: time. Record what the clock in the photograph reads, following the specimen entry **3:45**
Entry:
**2:33**
